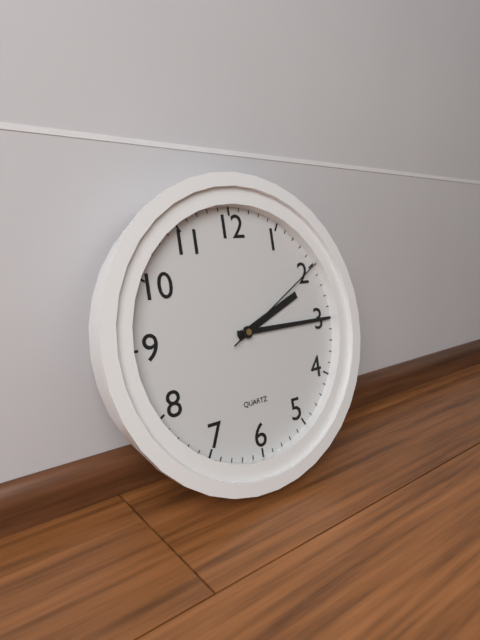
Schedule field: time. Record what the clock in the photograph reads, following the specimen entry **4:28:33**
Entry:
**2:15:10**
